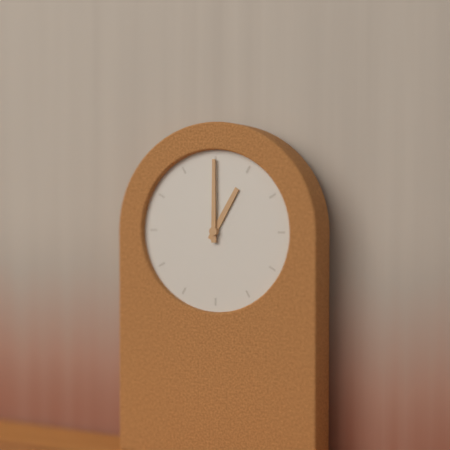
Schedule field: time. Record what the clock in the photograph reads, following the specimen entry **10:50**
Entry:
**1:00**
